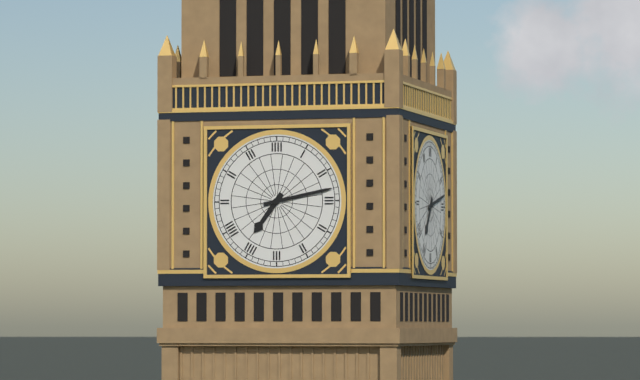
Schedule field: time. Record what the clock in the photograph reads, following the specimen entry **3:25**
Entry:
**7:13**
